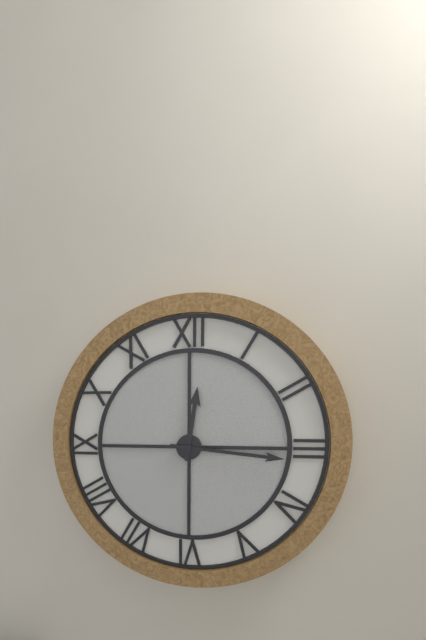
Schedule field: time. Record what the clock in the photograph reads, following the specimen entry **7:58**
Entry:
**12:16**
